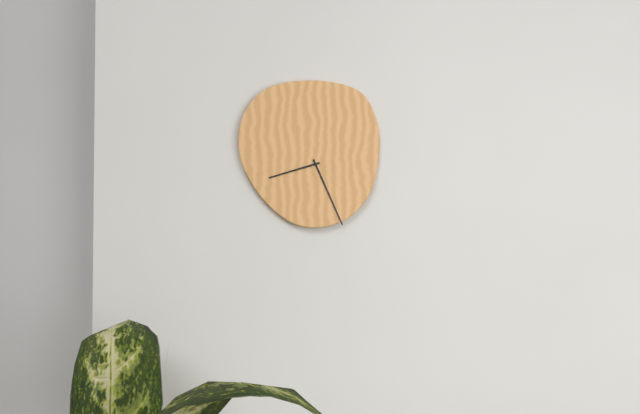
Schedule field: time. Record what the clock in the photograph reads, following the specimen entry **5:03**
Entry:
**8:26**
